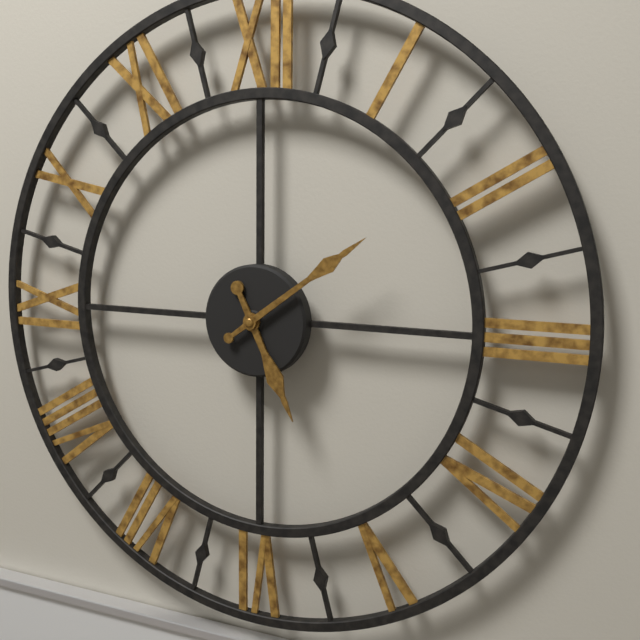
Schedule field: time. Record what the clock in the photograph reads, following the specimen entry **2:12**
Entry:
**5:09**
